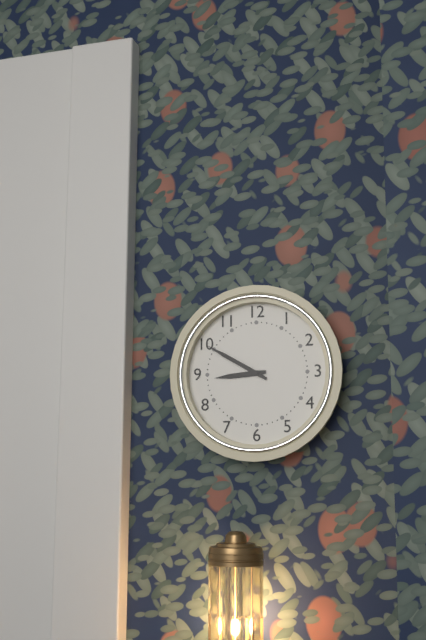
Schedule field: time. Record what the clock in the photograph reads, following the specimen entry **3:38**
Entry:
**8:50**
